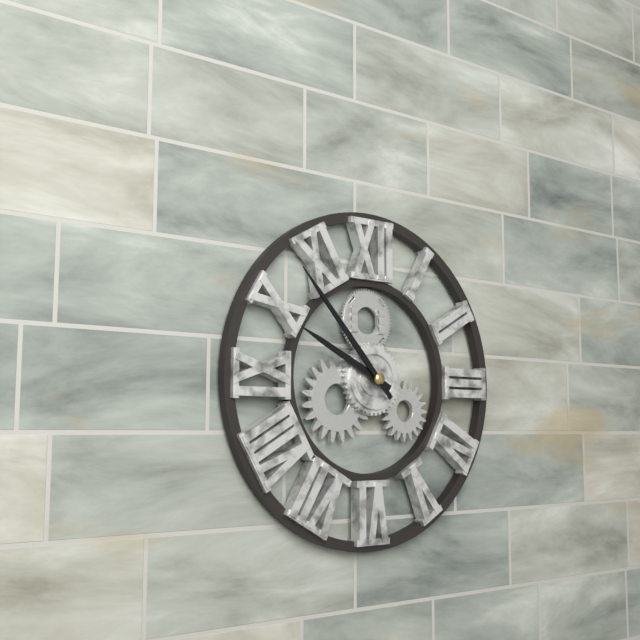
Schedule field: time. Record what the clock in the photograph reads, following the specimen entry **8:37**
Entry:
**9:53**
